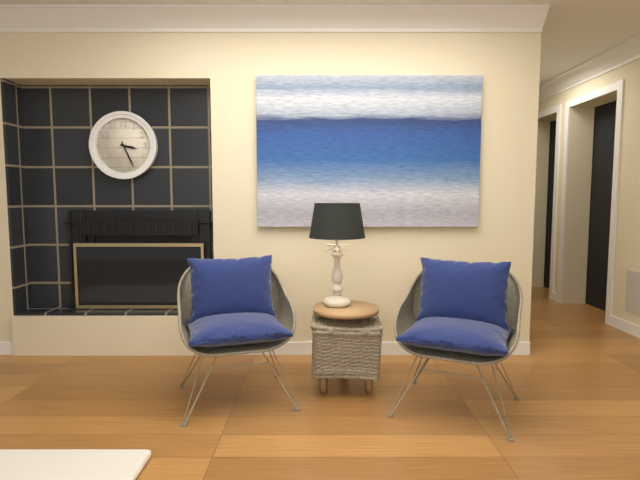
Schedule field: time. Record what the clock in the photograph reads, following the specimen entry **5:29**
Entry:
**3:26**
